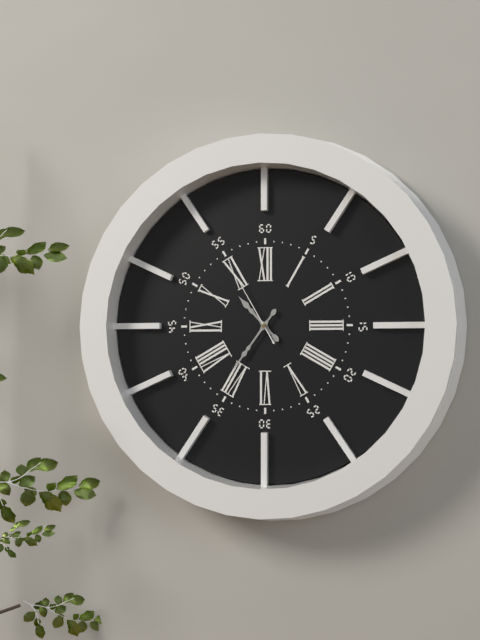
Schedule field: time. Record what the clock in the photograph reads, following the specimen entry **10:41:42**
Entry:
**10:36:55**
